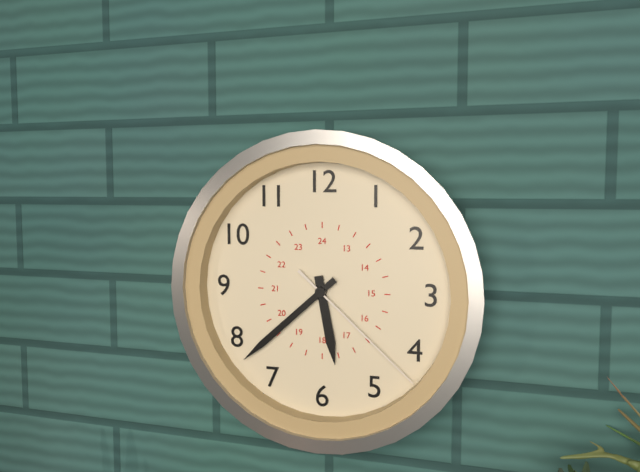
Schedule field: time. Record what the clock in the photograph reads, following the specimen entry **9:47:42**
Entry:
**5:38:22**
